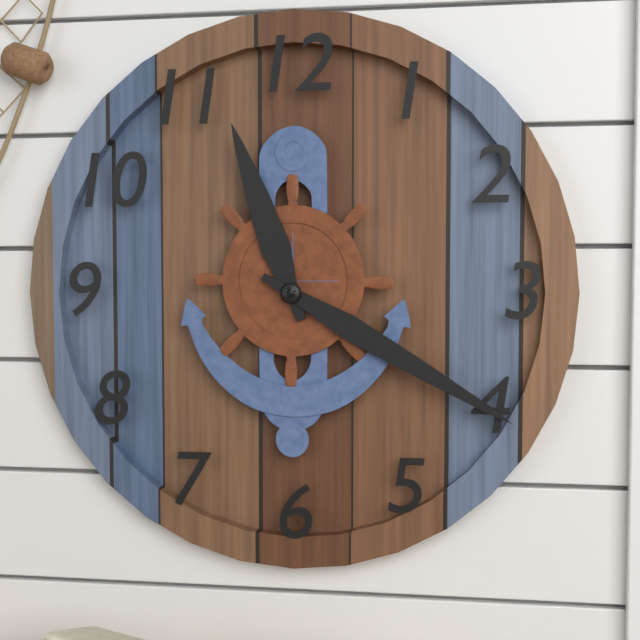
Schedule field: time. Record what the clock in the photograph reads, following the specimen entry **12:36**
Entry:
**11:20**
